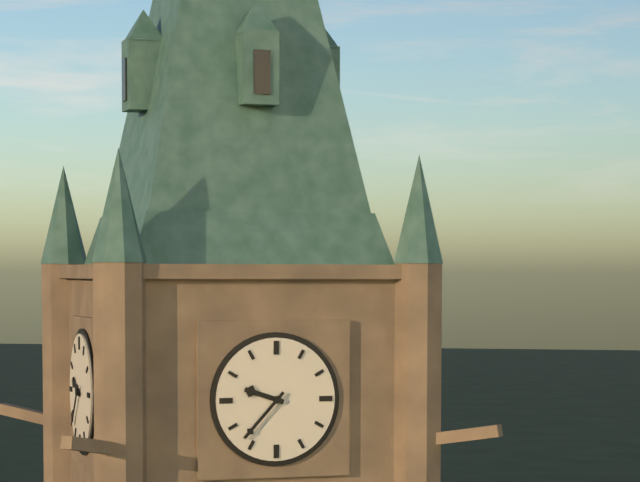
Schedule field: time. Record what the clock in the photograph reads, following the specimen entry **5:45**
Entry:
**9:37**
